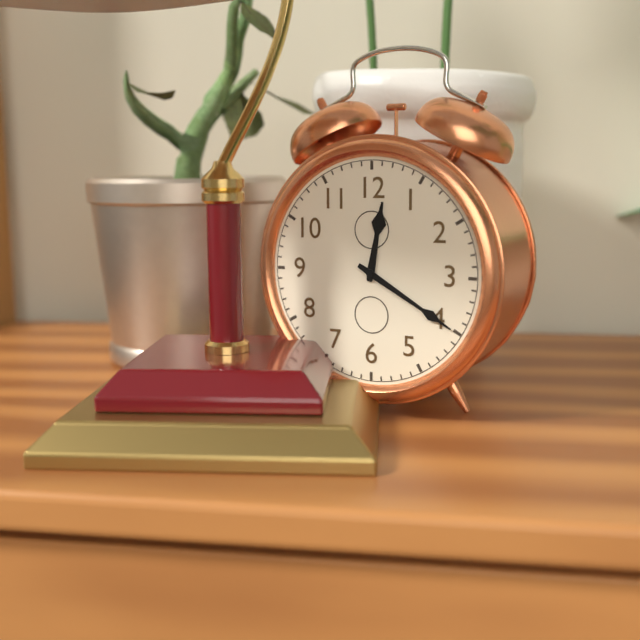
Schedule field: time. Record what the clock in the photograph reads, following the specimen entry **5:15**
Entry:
**12:20**
